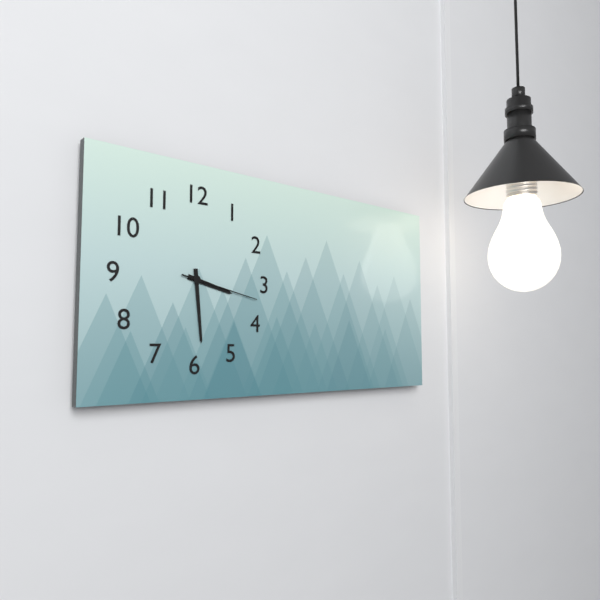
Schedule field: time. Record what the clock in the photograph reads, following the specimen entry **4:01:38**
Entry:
**3:29:17**
